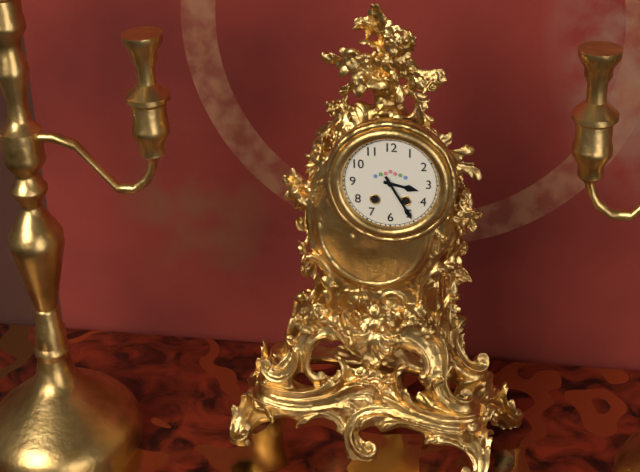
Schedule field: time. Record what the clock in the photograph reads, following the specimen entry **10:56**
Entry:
**3:25**
